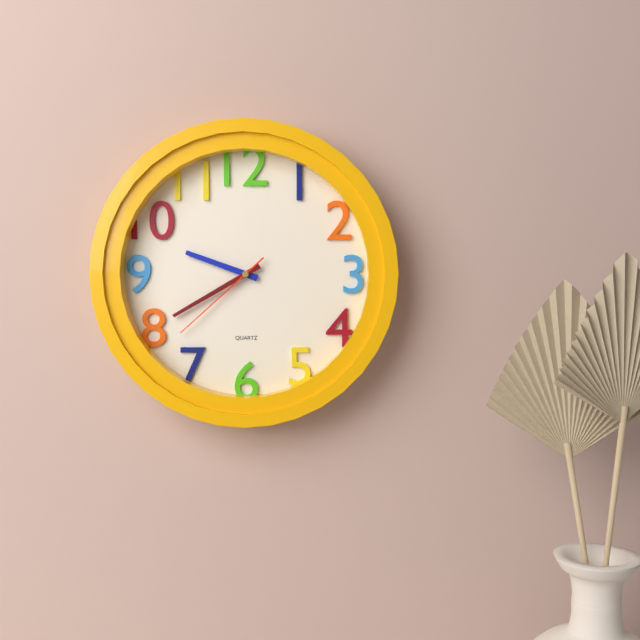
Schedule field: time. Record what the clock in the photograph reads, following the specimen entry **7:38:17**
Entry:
**9:40:38**
